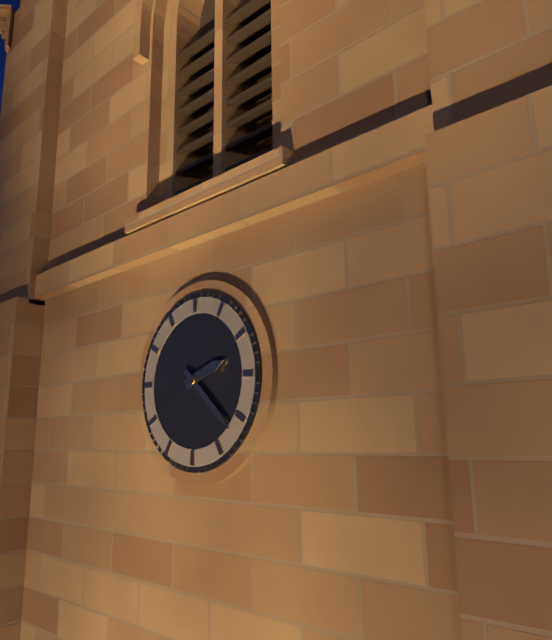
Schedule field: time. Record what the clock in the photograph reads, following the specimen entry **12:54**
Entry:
**2:22**
